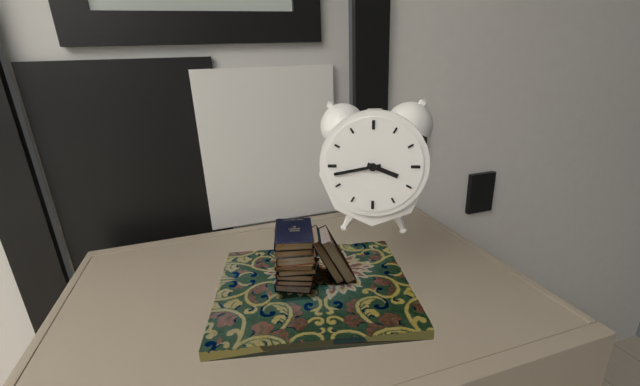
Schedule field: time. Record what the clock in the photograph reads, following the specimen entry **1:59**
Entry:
**3:43**
